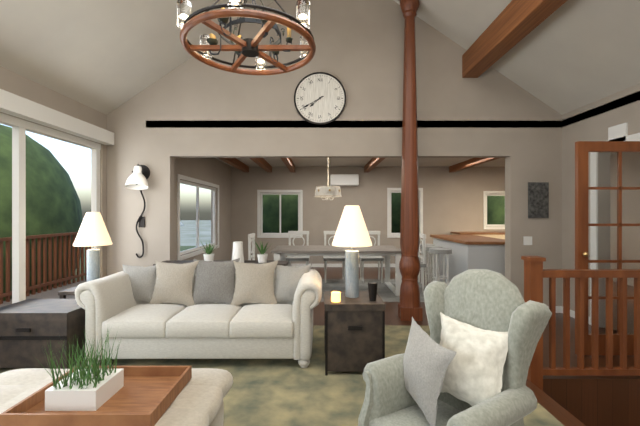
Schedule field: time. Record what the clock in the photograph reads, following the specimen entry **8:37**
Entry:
**7:40**
